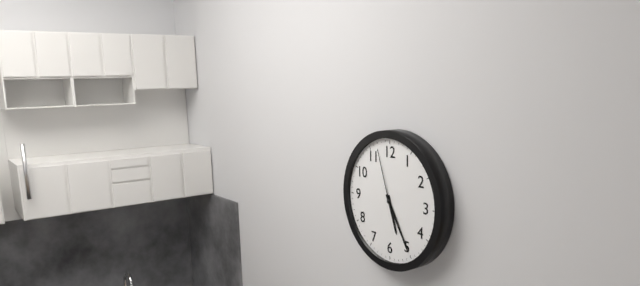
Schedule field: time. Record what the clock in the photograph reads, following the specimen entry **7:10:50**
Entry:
**5:25:57**
